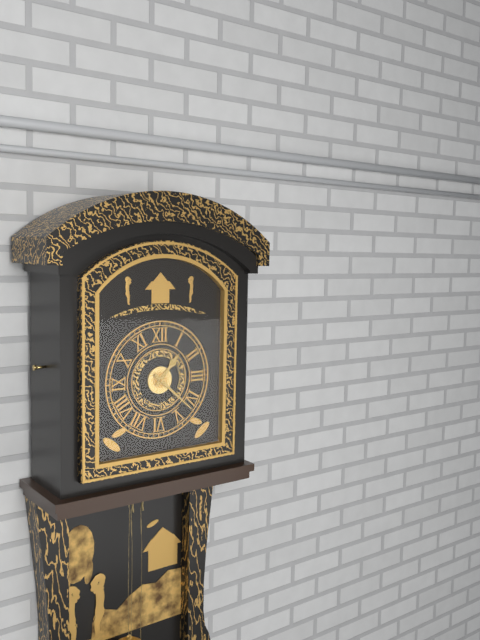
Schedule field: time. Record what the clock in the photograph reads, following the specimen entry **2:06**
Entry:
**1:22**
